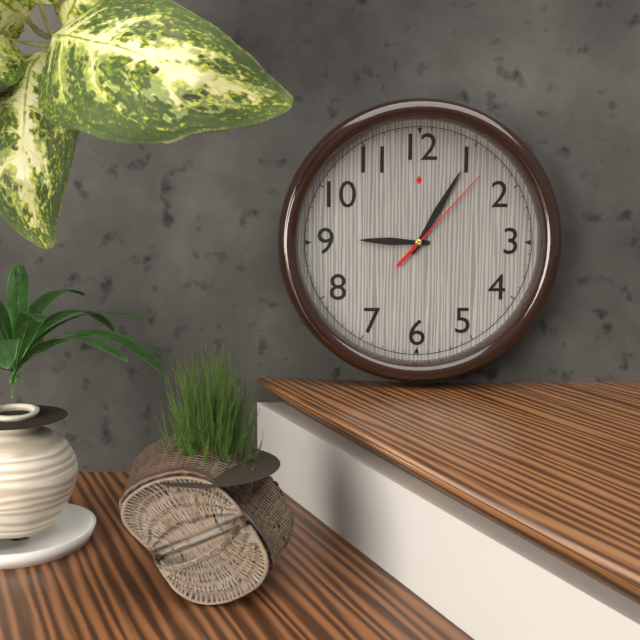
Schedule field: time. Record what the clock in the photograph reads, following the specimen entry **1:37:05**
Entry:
**9:05:07**
